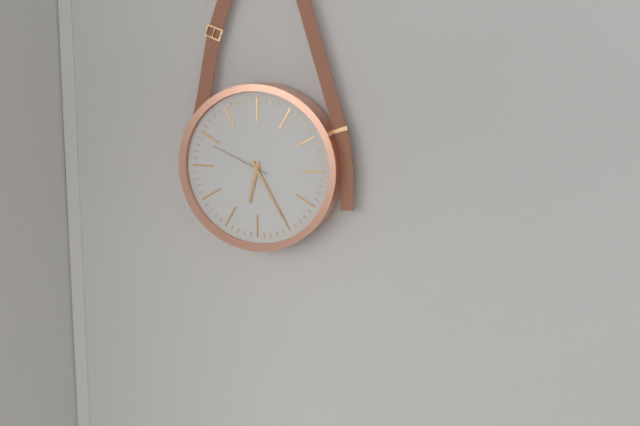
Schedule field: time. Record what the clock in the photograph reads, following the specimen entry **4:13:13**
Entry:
**6:25:49**
